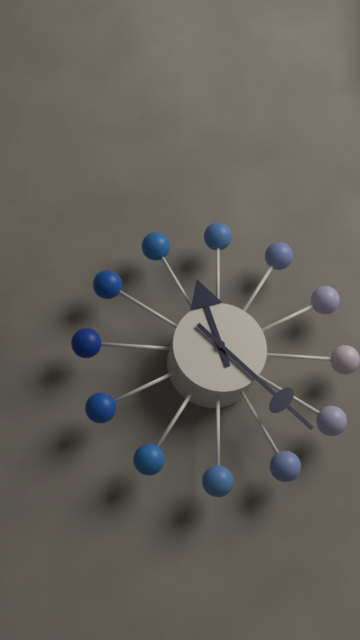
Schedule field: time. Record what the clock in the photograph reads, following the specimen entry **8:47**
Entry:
**11:22**
